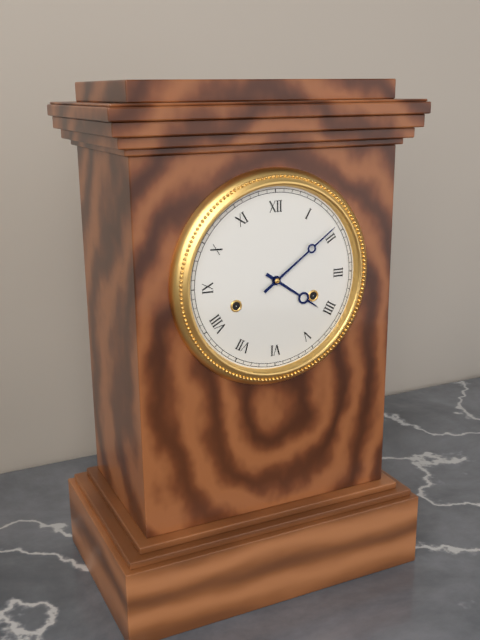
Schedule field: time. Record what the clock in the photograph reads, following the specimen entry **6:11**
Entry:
**4:09**
